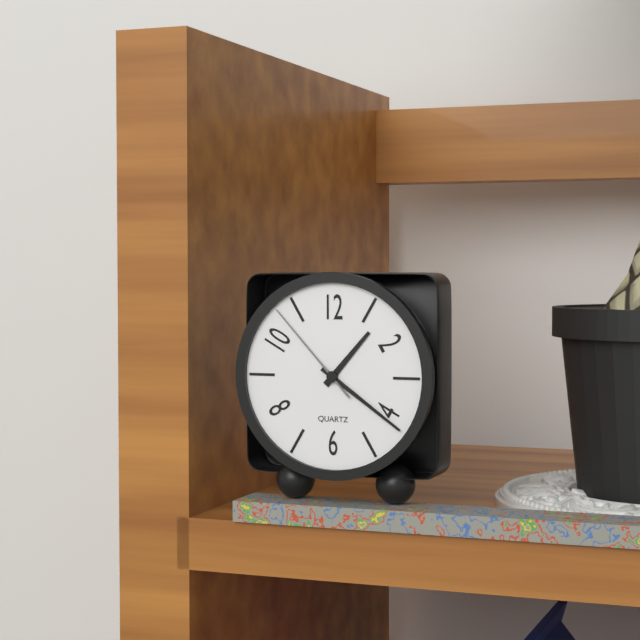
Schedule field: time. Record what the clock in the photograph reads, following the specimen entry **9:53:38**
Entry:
**1:21:53**
